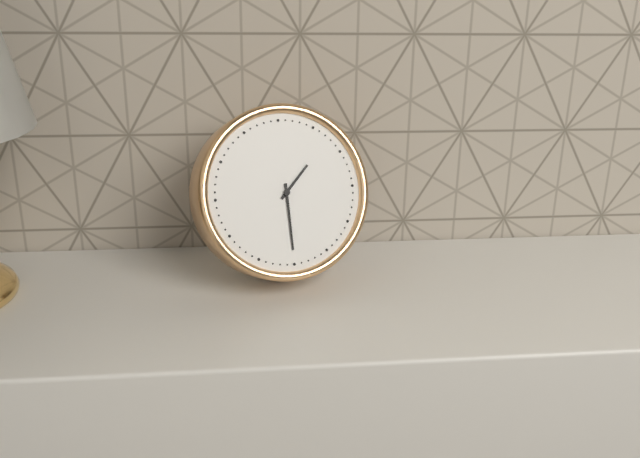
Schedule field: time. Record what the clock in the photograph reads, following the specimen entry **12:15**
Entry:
**1:30**
